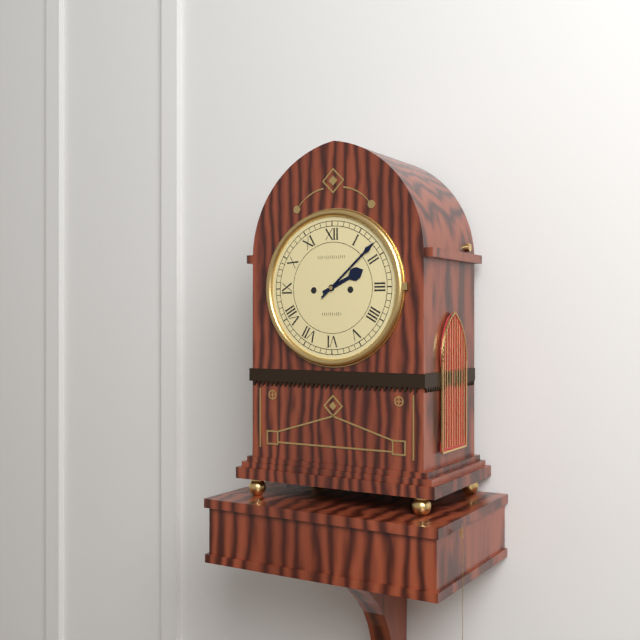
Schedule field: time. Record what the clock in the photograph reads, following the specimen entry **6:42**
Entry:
**2:08**
